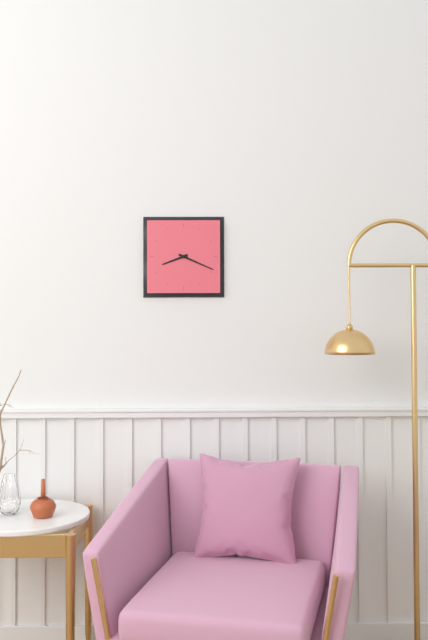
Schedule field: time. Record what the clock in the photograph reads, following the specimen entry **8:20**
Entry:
**8:19**
